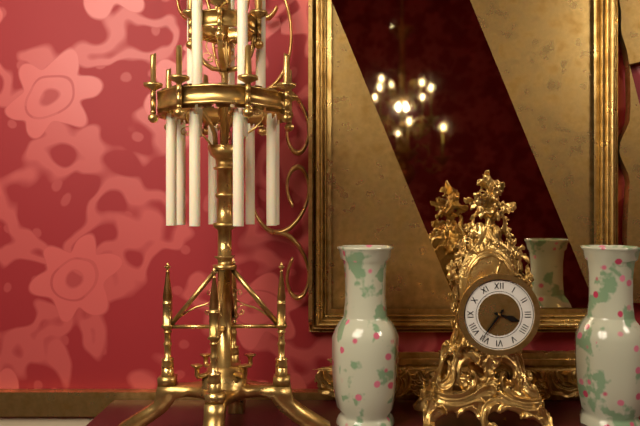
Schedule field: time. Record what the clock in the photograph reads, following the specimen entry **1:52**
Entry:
**3:36**
